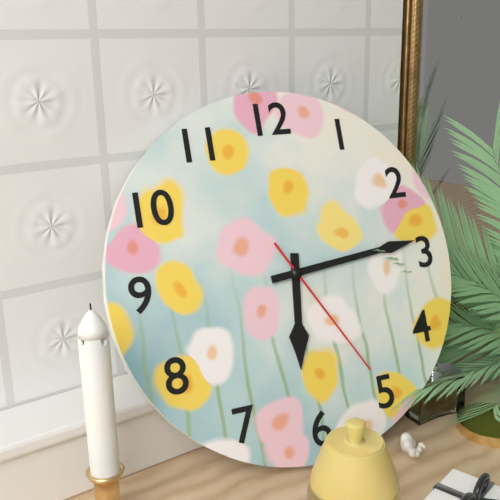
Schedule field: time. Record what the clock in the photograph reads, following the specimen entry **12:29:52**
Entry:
**6:14:25**
